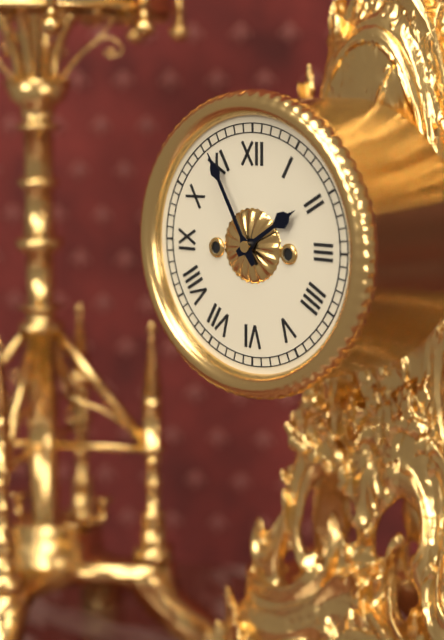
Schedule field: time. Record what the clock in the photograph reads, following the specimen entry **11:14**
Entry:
**1:55**
